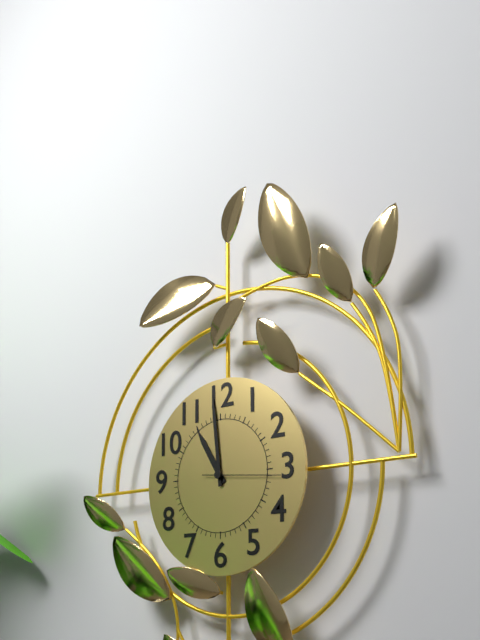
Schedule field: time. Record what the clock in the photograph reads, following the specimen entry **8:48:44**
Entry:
**10:59:16**
